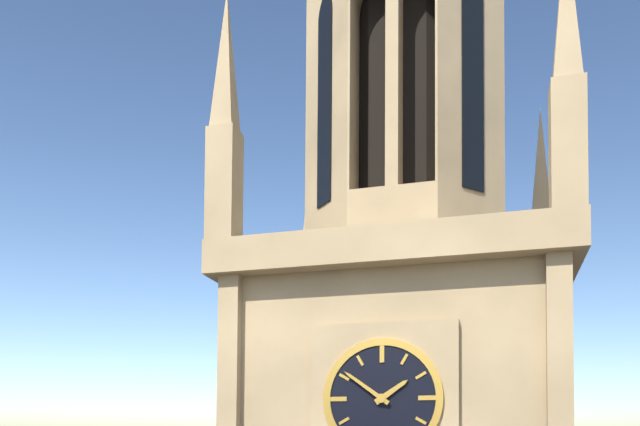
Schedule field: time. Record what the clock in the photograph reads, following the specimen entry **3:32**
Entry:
**1:51**
